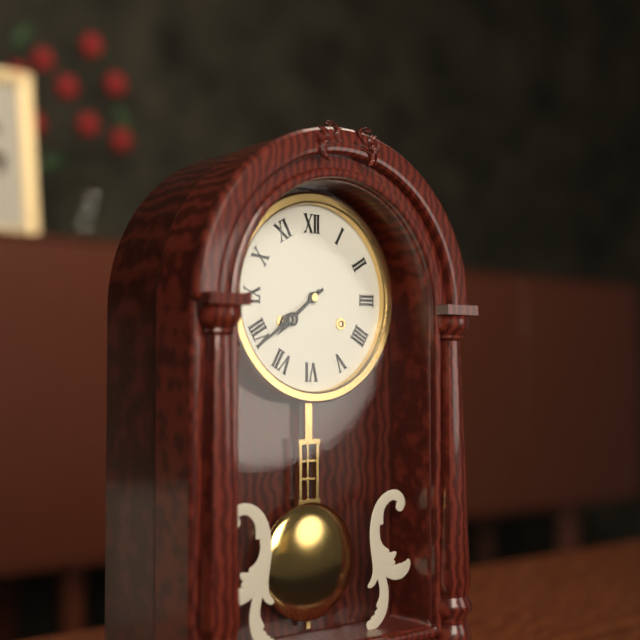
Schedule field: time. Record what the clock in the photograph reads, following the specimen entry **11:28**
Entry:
**7:39**
